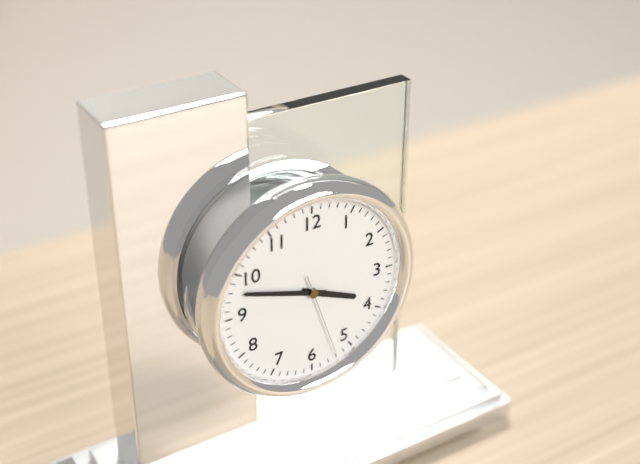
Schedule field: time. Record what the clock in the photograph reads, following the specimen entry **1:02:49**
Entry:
**3:48:27**
